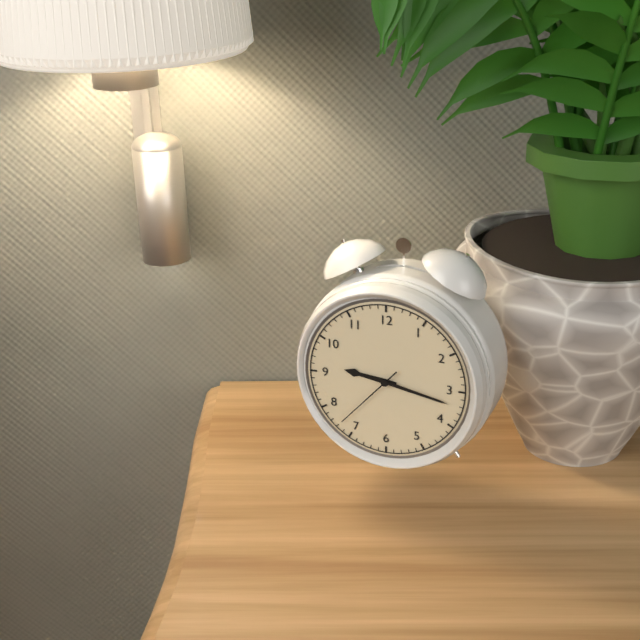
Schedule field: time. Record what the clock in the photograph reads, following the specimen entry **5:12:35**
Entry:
**9:17:37**
